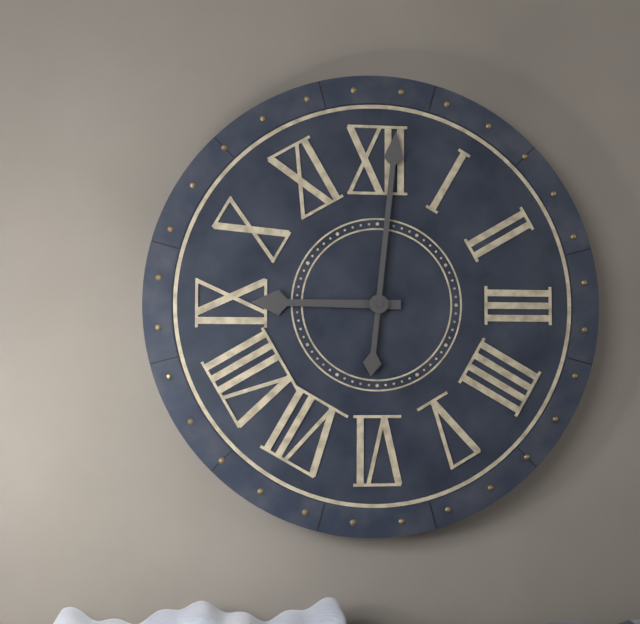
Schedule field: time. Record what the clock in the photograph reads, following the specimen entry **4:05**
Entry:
**9:01**
